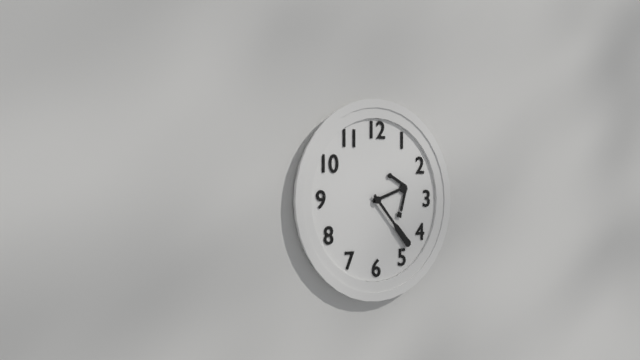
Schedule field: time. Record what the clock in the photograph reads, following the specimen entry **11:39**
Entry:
**2:23**
